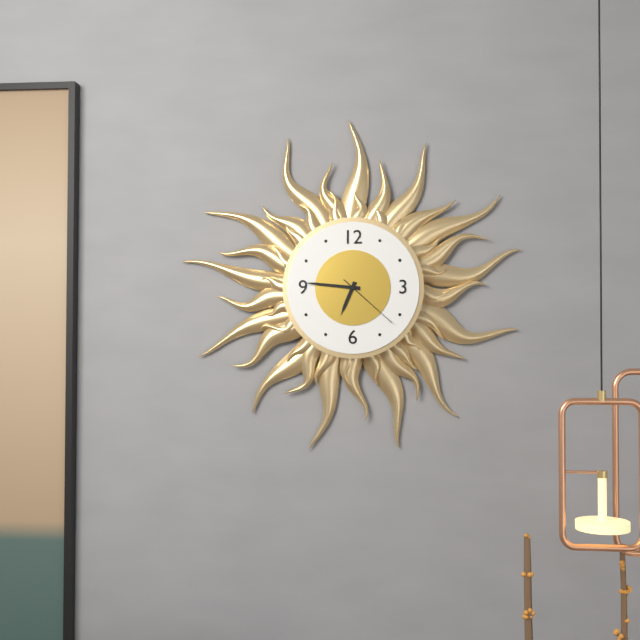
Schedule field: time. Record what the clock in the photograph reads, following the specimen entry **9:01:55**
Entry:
**6:46:22**
